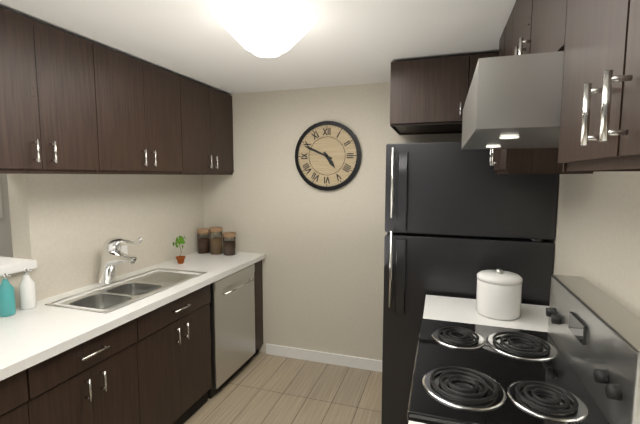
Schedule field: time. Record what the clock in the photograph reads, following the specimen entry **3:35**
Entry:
**4:49**
